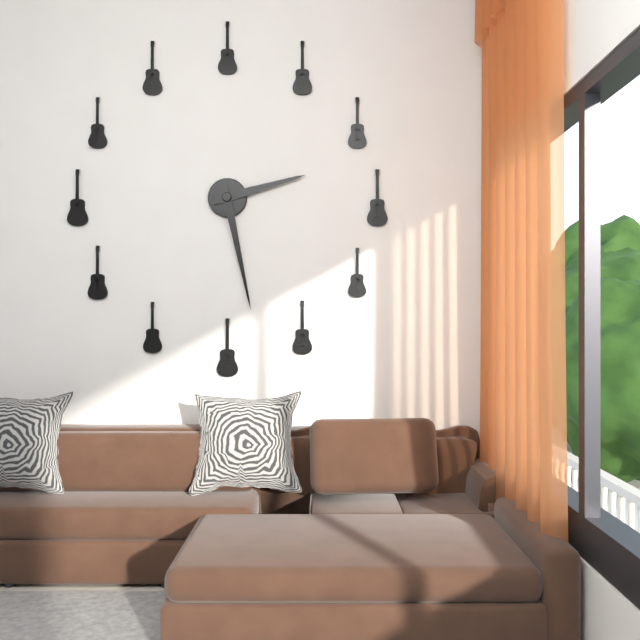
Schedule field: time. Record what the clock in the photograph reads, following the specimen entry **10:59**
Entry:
**2:28**
